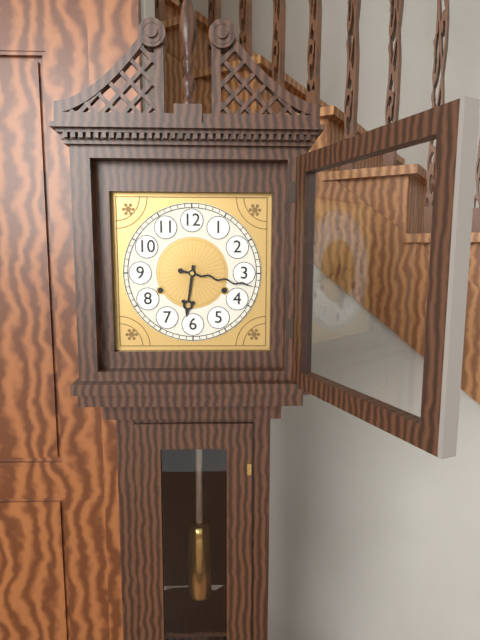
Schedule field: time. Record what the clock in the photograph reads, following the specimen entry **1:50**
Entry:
**6:17**
